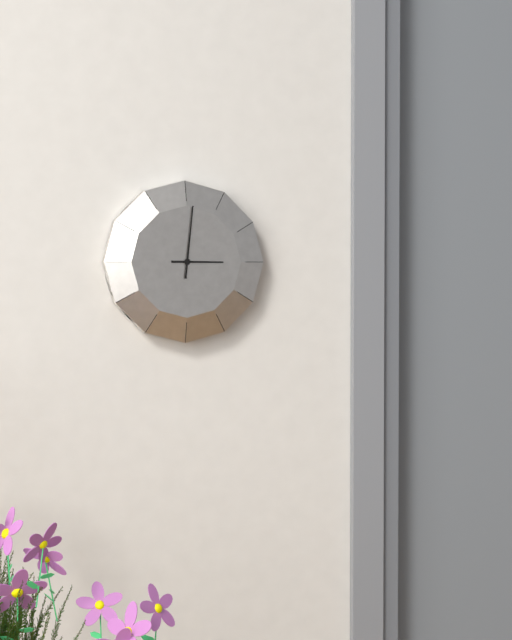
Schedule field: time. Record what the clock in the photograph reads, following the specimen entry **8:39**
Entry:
**3:01**
